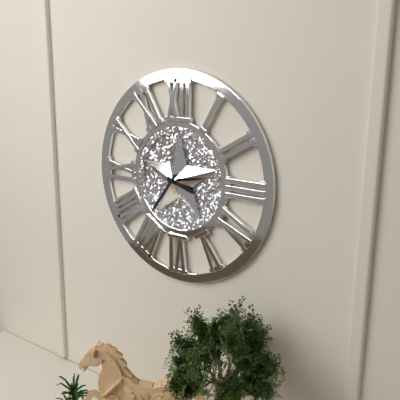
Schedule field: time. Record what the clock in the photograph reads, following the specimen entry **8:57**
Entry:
**3:36**
